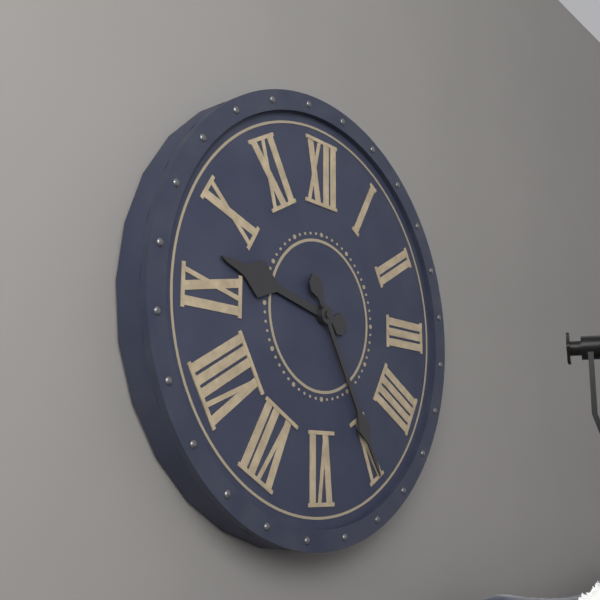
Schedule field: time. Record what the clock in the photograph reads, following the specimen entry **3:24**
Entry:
**9:25**
